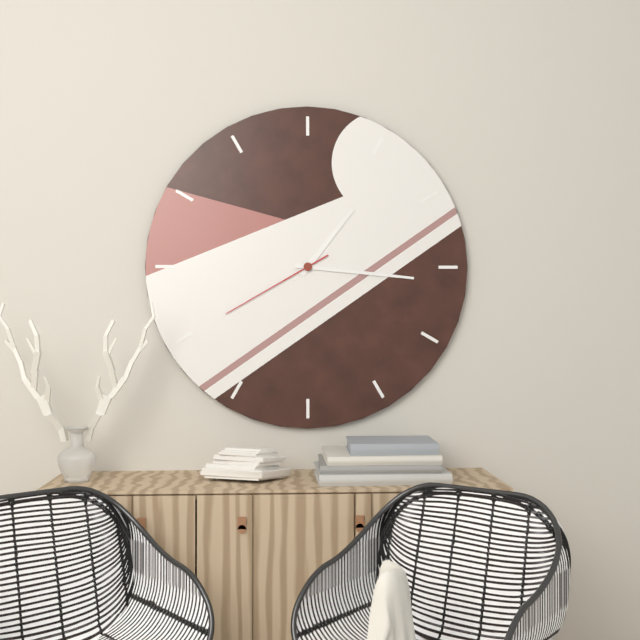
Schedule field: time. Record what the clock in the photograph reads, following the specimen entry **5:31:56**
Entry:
**1:16:40**
